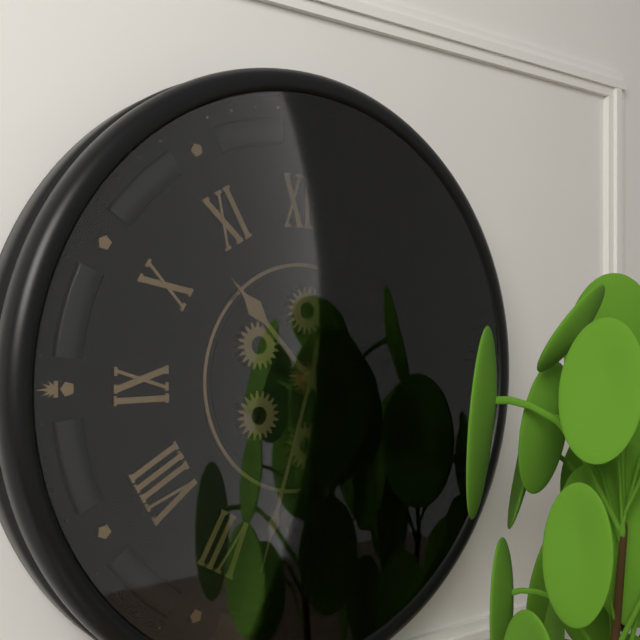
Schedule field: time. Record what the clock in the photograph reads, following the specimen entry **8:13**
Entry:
**10:33**
